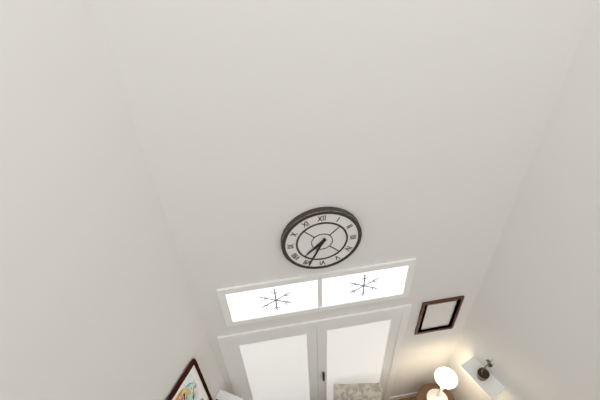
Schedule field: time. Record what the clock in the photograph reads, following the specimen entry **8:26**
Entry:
**7:34**
